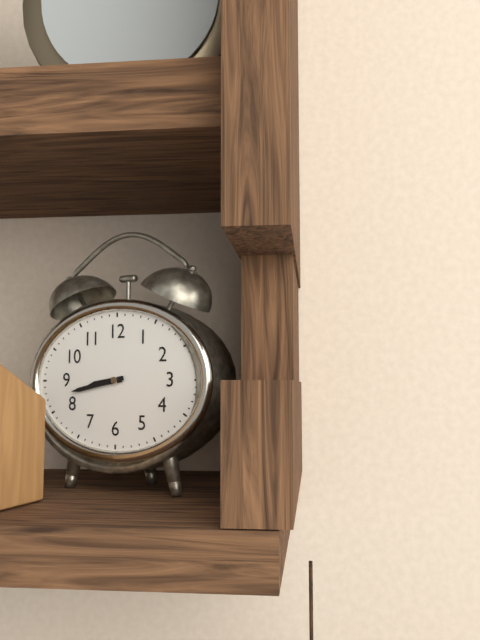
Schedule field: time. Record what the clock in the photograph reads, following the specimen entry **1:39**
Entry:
**8:43**
